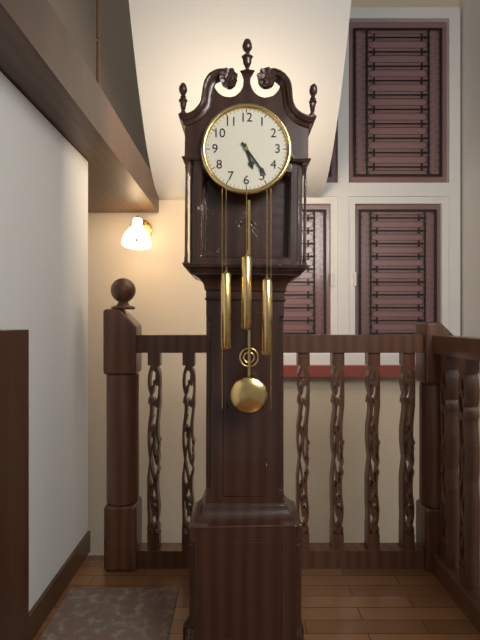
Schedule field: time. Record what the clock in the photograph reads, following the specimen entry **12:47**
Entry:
**5:24**
